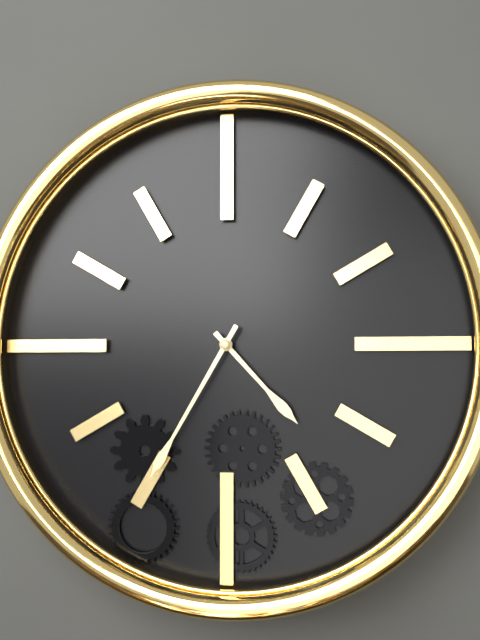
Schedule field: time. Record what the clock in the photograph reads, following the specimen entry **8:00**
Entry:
**4:35**
